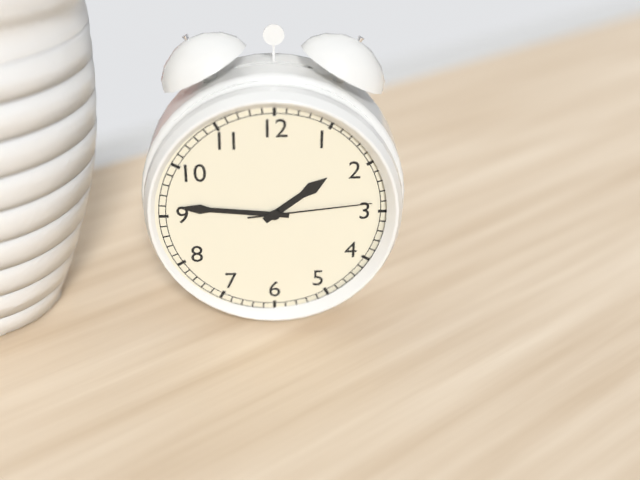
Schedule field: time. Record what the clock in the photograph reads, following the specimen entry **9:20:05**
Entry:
**1:46:14**
